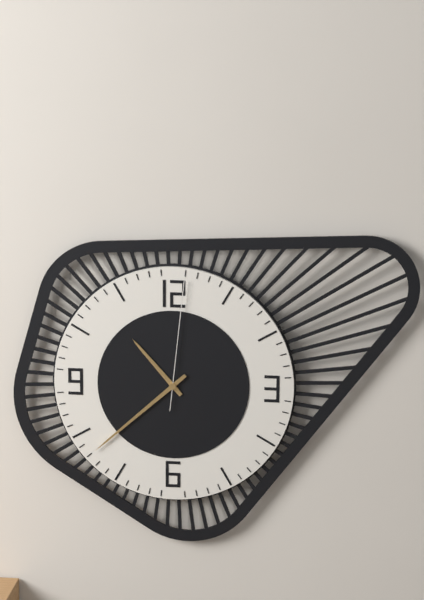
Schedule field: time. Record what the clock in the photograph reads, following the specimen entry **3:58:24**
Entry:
**10:38:01**
